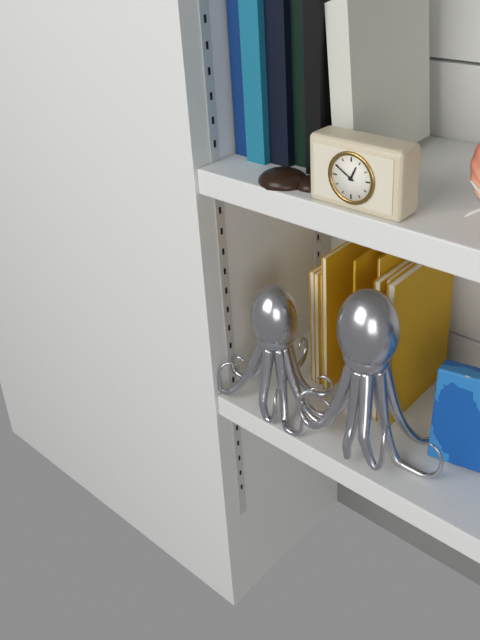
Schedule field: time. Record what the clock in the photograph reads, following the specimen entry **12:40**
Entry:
**12:50**
